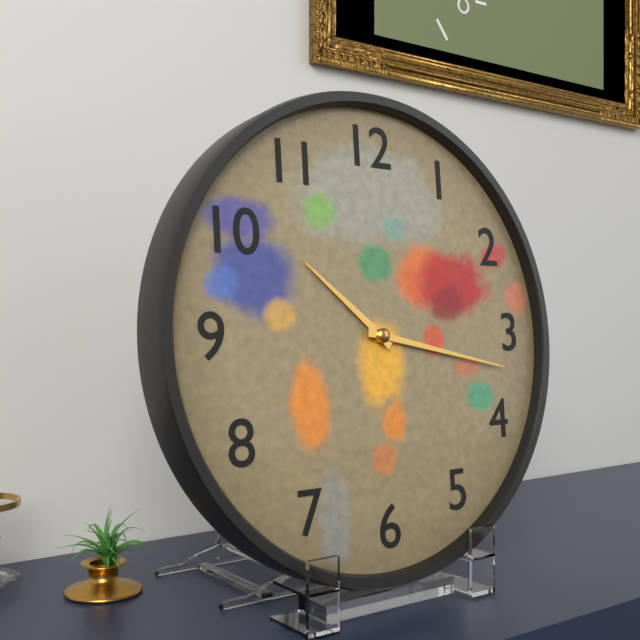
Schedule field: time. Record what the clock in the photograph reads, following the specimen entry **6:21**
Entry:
**10:17**
